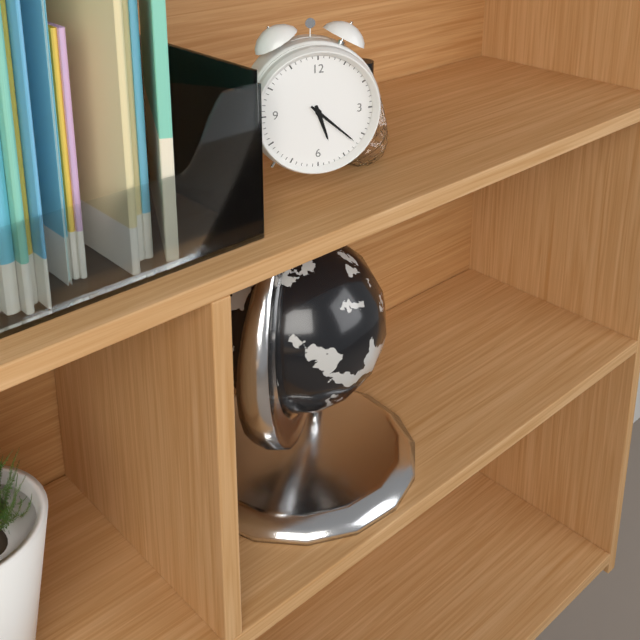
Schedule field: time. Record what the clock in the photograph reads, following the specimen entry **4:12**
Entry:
**5:22**
